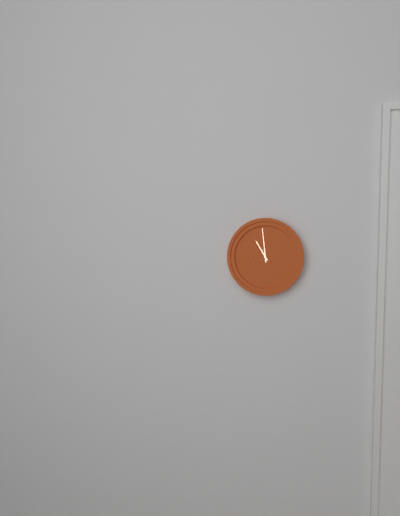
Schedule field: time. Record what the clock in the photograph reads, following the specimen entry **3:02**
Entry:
**10:59**
